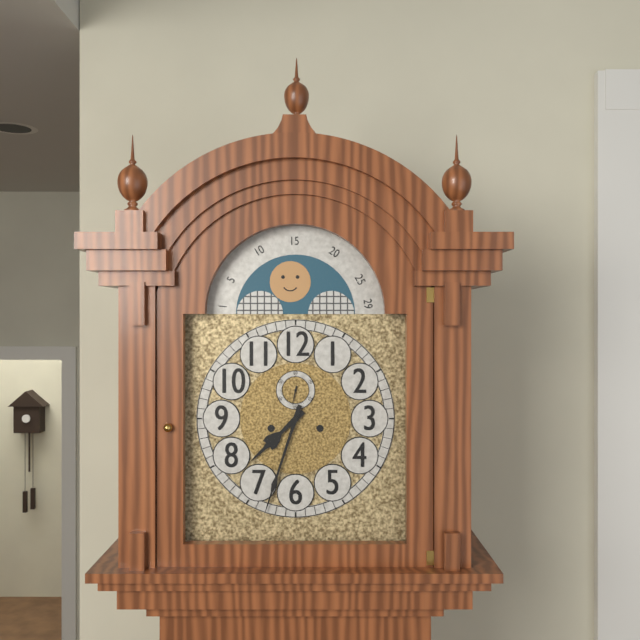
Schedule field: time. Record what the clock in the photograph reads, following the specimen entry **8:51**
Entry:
**7:33**
